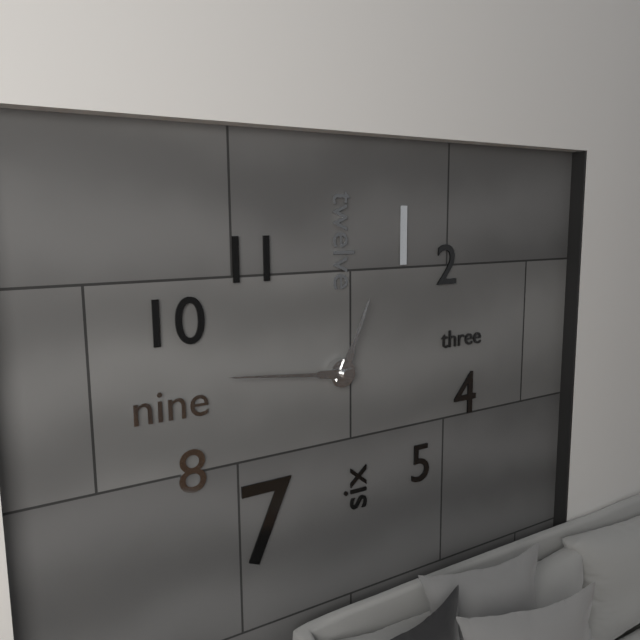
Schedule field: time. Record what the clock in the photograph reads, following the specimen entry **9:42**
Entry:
**12:46**
